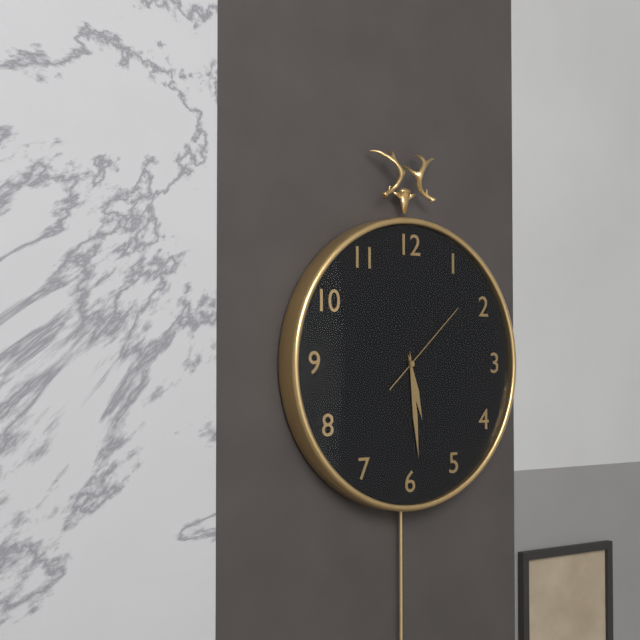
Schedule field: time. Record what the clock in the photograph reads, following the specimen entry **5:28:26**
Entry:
**5:29:08**
